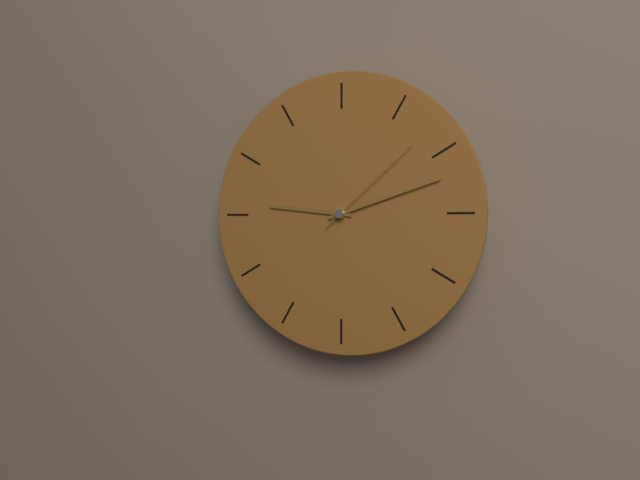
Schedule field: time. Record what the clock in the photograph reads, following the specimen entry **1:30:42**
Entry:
**9:12:08**
